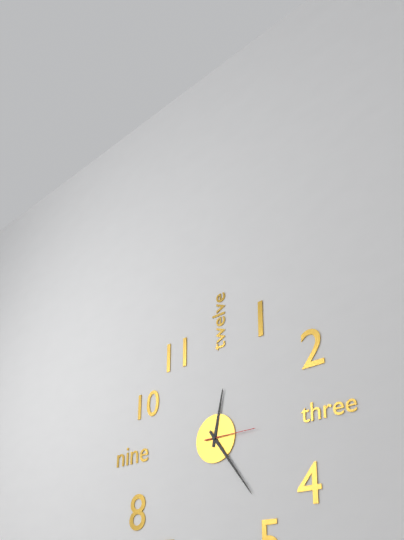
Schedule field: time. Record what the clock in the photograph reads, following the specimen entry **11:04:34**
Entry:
**12:24:15**
